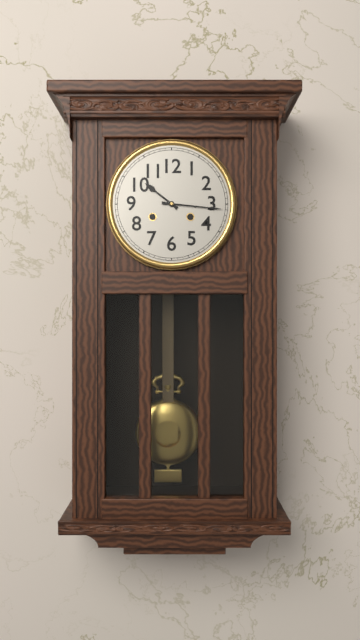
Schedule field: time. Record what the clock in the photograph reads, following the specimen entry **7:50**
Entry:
**10:16**
